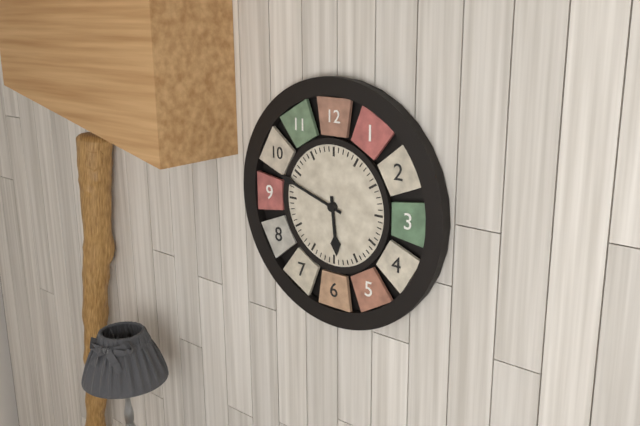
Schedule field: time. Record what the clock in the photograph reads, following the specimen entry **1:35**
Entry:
**5:48**
